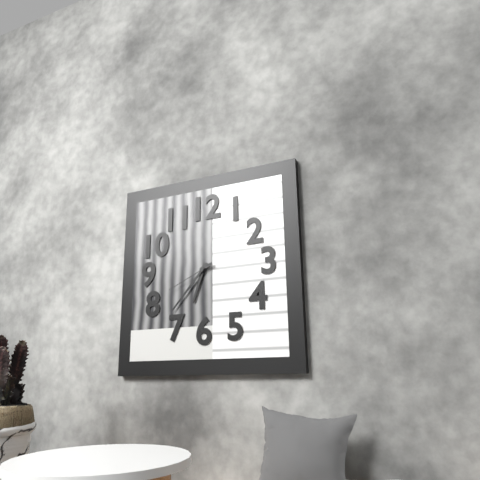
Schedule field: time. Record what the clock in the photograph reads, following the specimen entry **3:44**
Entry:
**6:37**
